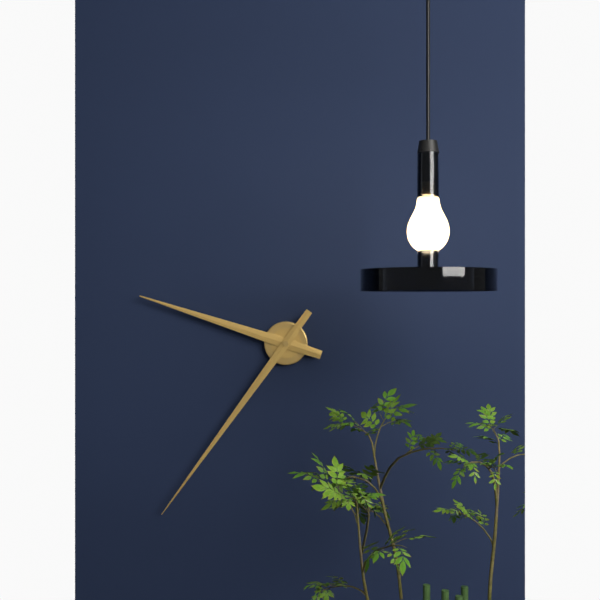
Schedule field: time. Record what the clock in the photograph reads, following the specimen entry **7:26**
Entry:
**9:36**
